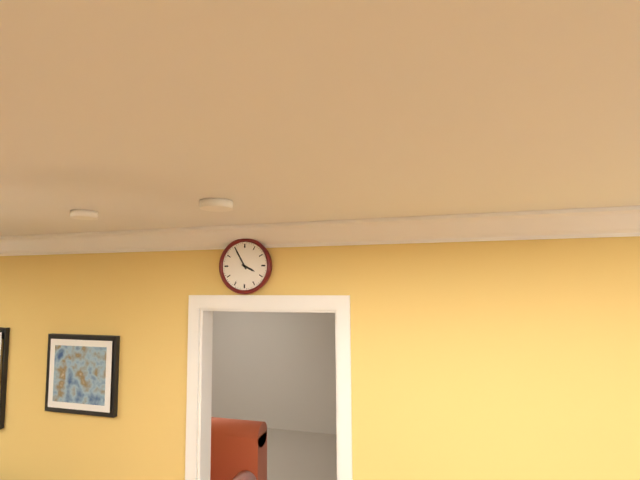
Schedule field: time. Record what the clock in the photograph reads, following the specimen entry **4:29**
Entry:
**3:55**
